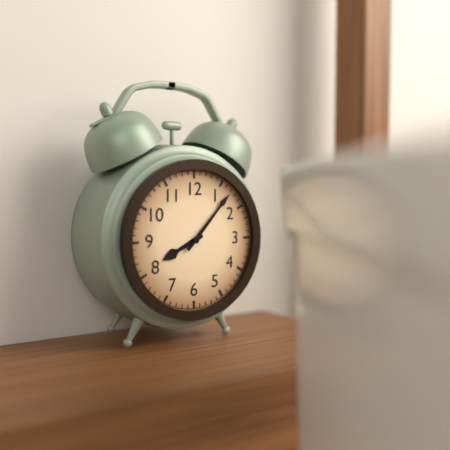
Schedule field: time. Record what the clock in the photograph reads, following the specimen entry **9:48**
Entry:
**8:07**
